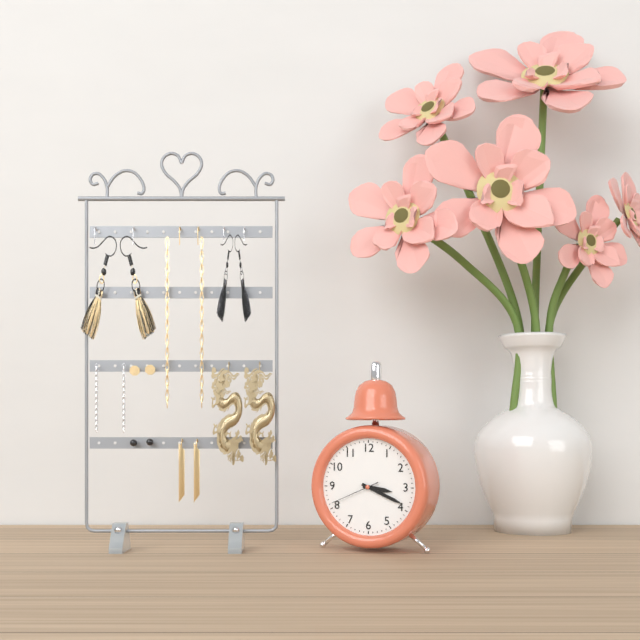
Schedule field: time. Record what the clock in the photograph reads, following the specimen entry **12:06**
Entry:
**3:19**
